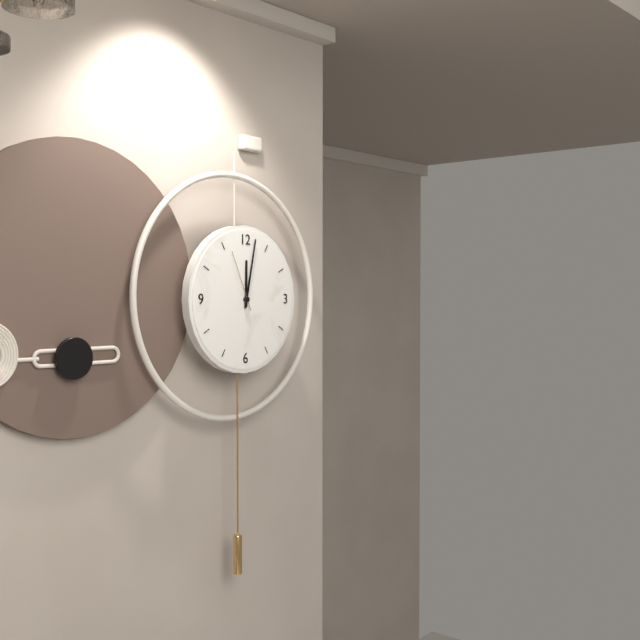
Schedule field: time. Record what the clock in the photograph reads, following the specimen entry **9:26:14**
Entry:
**12:02:56**
